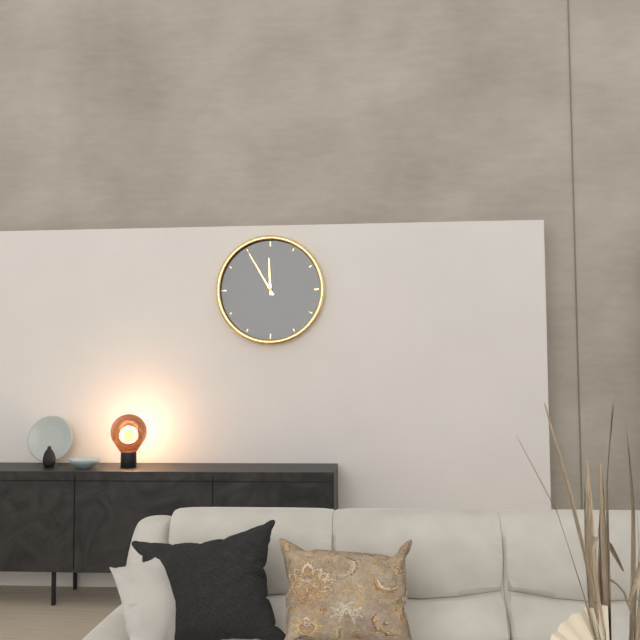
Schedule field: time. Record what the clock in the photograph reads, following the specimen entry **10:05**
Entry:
**11:55**
